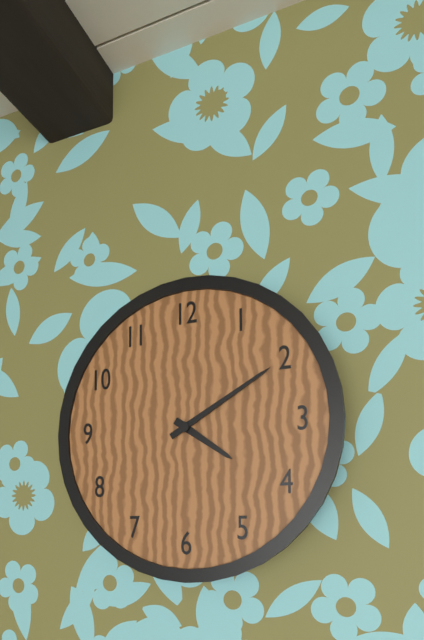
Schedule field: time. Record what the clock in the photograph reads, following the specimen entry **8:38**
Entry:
**4:10**
